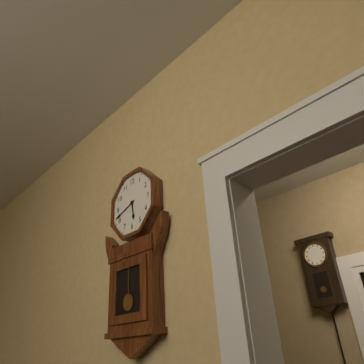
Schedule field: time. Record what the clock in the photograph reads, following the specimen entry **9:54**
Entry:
**5:42**
